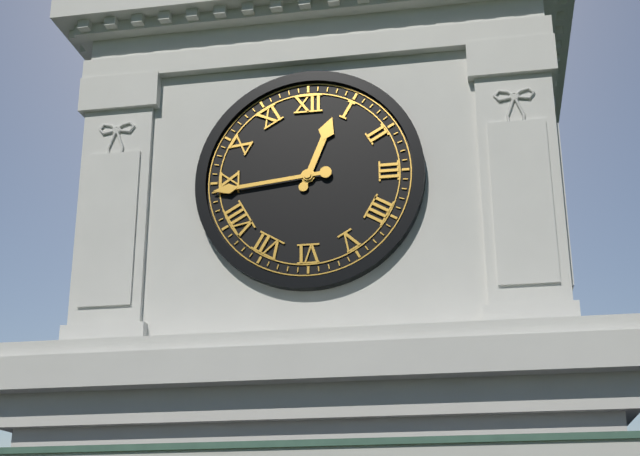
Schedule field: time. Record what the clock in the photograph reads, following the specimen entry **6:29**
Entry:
**12:44**
